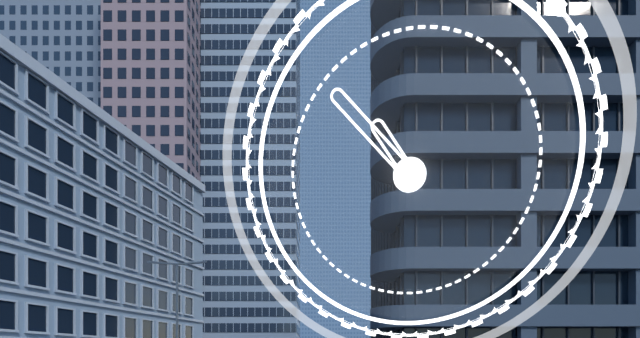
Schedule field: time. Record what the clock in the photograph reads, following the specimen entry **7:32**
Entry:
**10:53**
